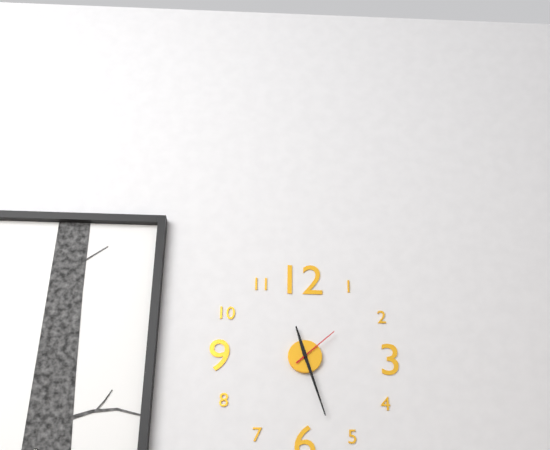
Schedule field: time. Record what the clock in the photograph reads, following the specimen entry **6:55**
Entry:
**11:27**
